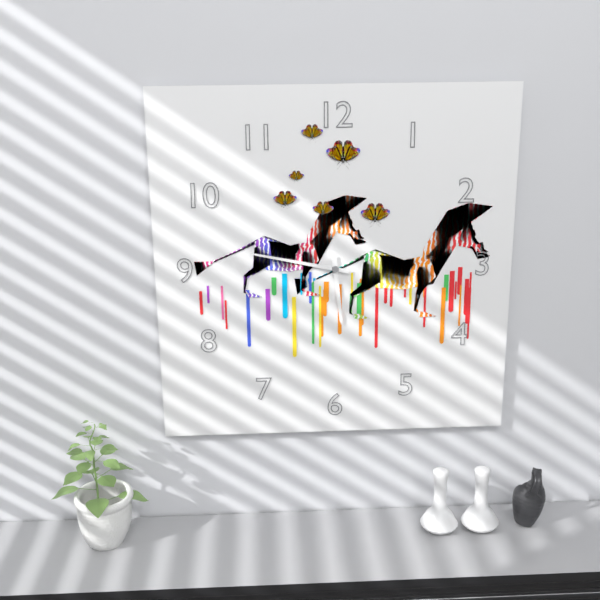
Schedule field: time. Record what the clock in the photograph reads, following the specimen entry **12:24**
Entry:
**5:47**
